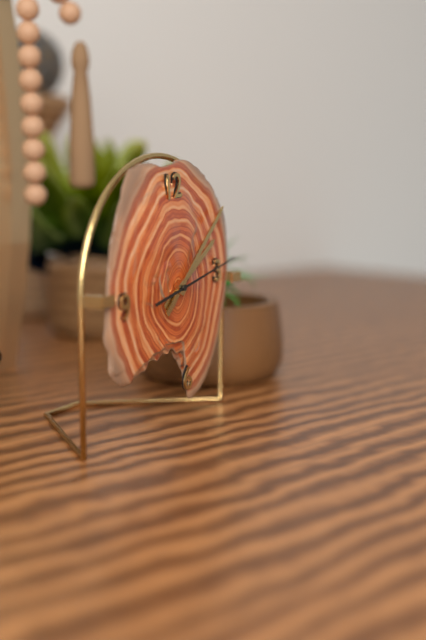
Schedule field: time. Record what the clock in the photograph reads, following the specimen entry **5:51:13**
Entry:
**2:09:14**
